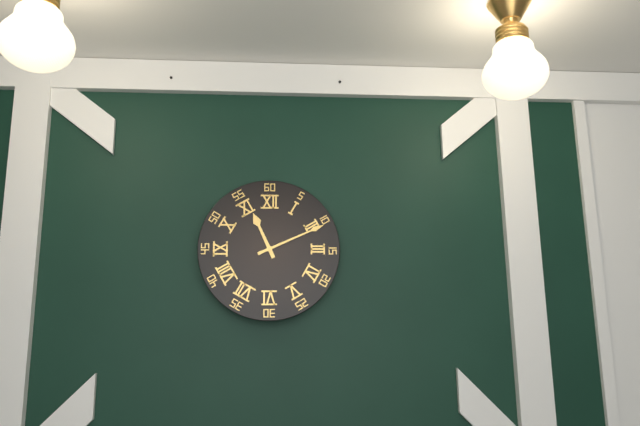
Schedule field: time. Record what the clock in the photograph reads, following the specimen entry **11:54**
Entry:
**11:11**
